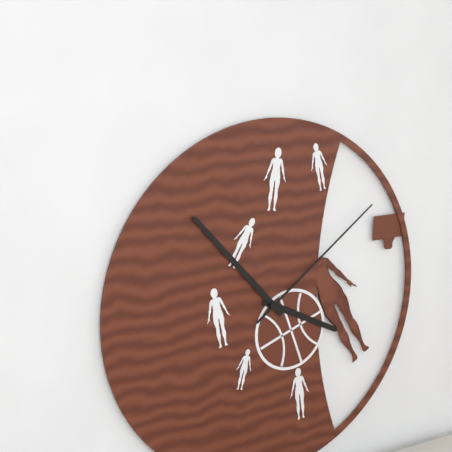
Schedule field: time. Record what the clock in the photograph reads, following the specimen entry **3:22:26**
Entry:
**3:53:09**
